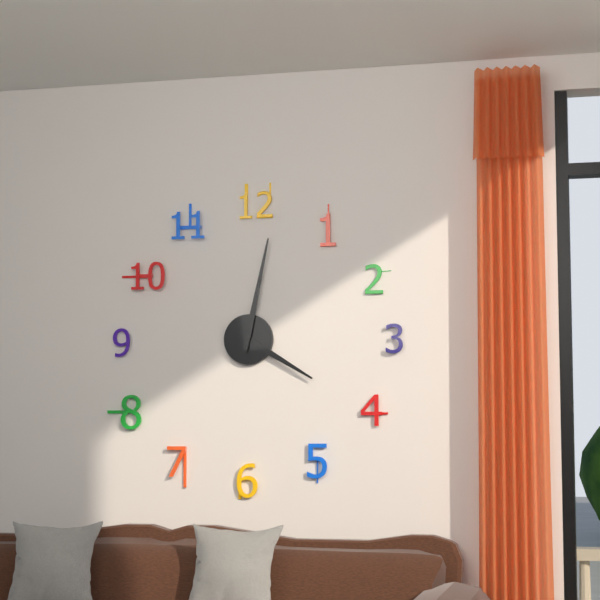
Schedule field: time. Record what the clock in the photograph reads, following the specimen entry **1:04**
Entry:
**4:02**
